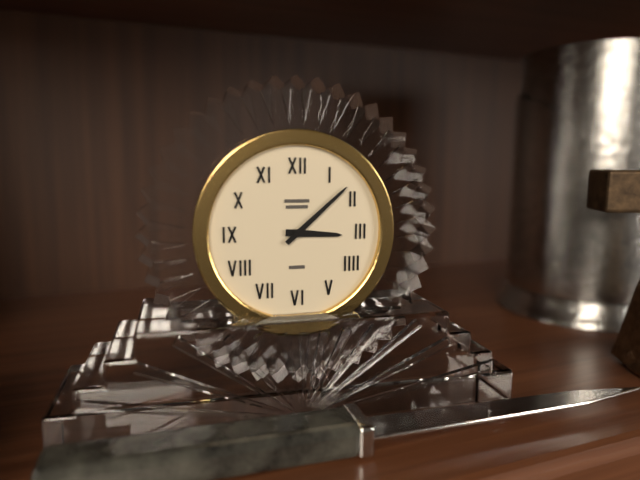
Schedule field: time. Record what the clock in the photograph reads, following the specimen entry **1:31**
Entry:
**3:08**
